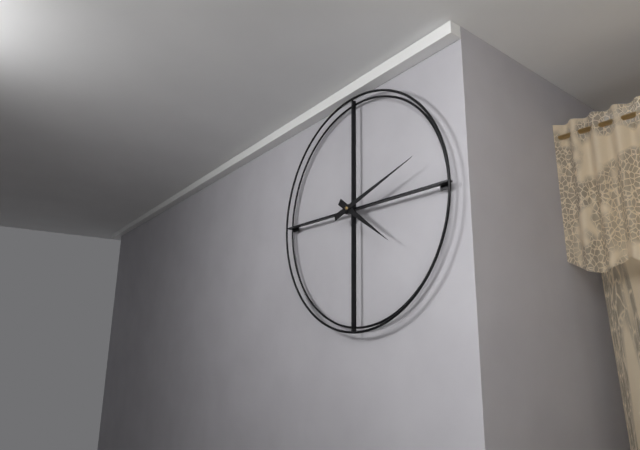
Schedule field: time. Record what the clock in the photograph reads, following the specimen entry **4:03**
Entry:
**4:12**
